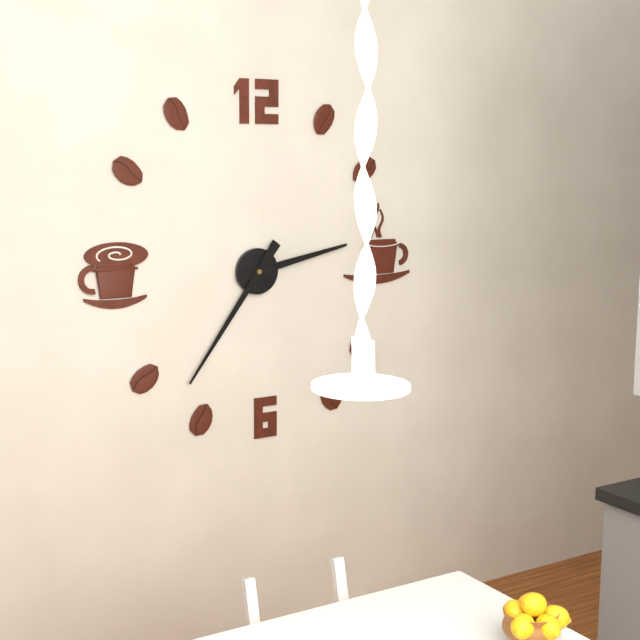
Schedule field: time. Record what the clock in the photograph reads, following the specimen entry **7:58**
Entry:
**2:36**
